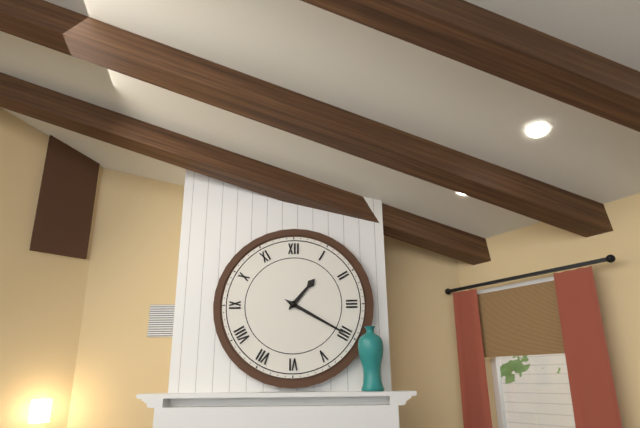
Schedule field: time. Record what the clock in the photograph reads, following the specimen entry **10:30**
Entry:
**1:20**
